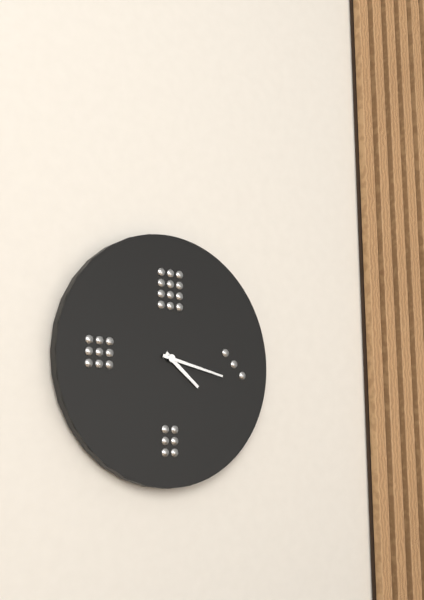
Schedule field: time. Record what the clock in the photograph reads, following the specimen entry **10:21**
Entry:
**4:17**
